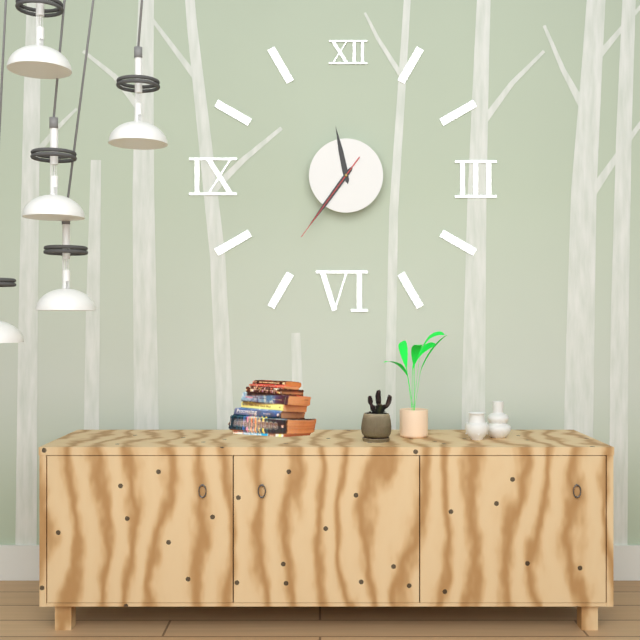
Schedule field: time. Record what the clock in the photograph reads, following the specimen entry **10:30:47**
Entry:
**11:36:36**
